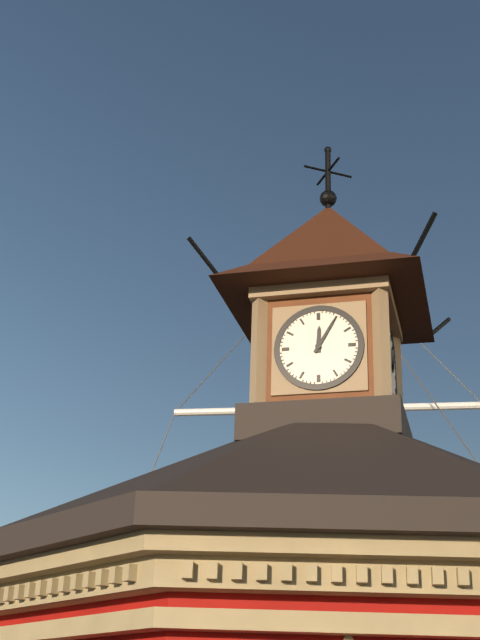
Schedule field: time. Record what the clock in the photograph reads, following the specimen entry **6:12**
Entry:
**12:05**
